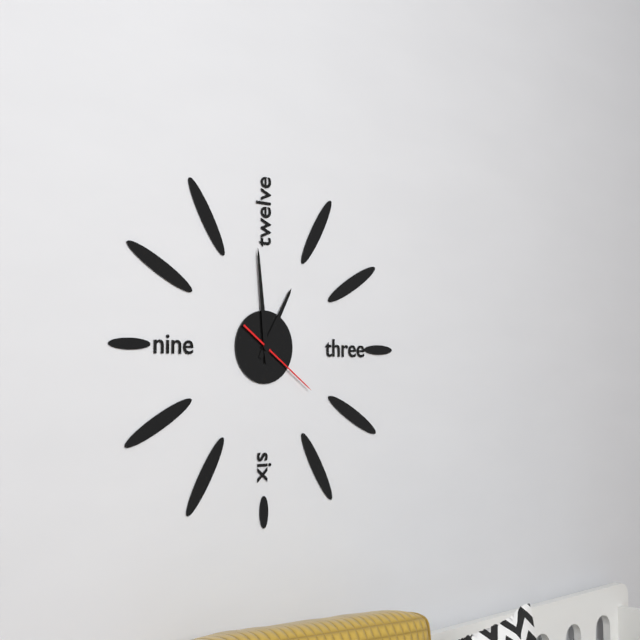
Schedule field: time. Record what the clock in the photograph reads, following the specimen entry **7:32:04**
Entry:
**12:59:21**
